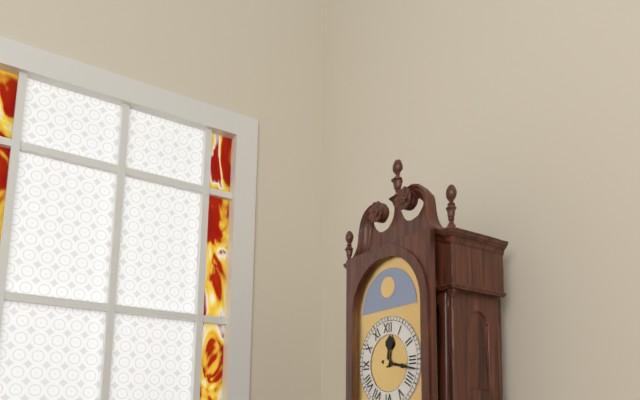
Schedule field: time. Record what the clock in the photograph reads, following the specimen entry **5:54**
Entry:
**12:17**
